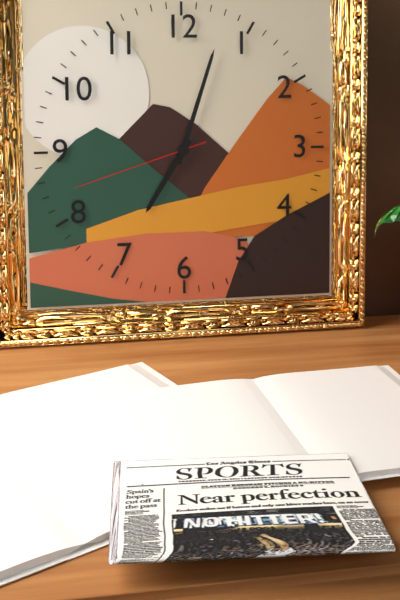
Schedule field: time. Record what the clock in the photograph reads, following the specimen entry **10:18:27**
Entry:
**7:03:42**
